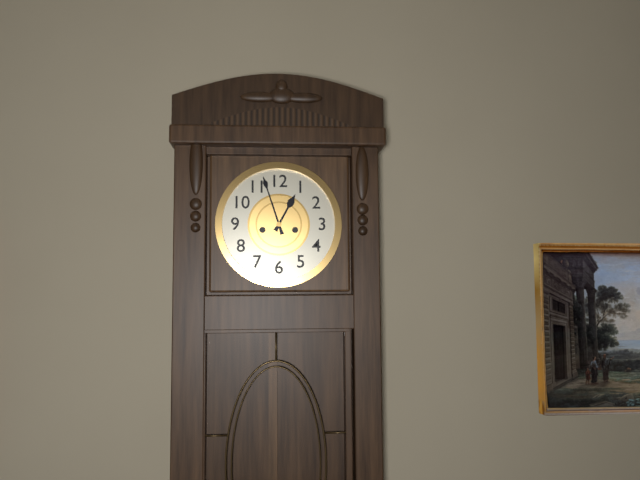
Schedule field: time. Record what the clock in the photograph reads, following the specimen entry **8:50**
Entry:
**12:57**
